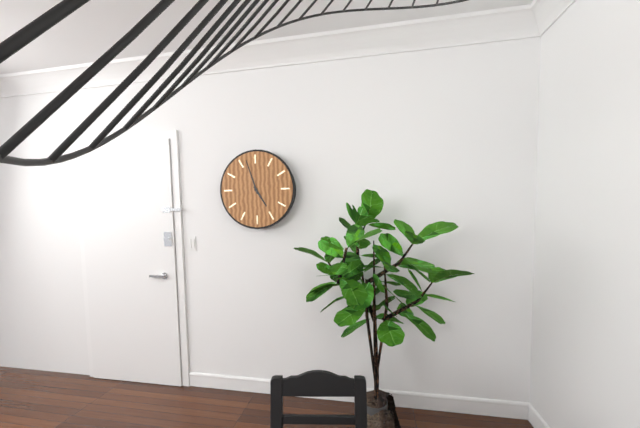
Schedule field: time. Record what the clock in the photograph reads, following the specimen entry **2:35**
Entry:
**4:57**
